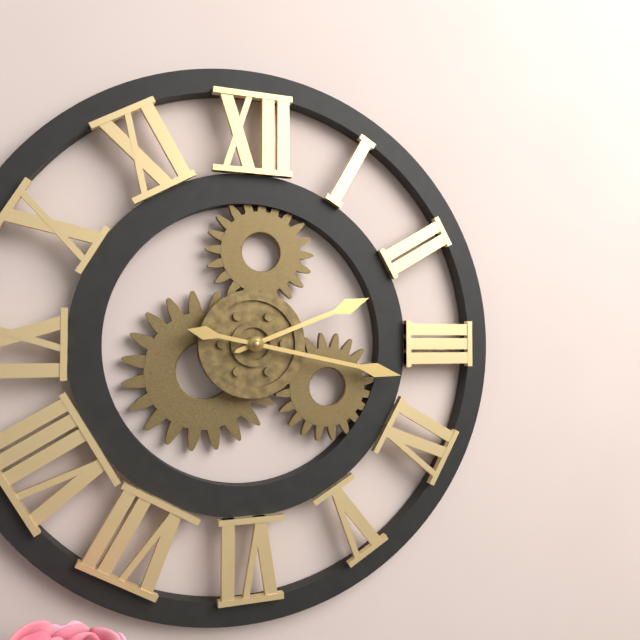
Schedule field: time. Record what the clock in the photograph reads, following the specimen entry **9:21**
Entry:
**2:17**
